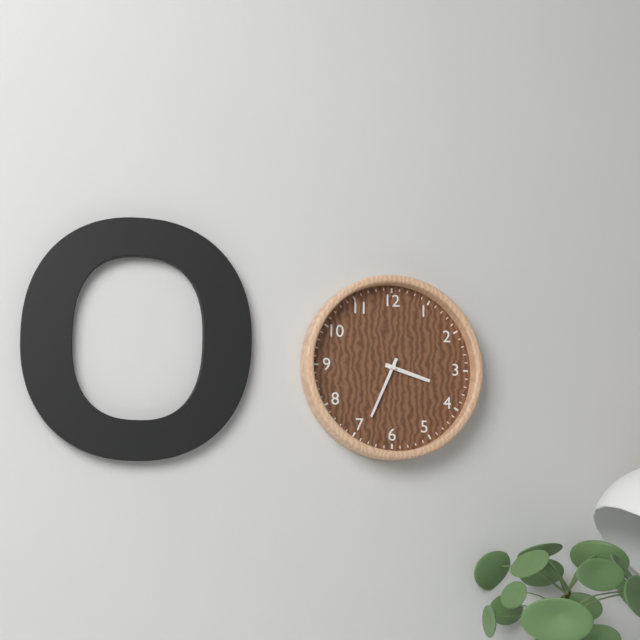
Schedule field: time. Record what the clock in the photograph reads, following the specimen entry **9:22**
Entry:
**3:34**
